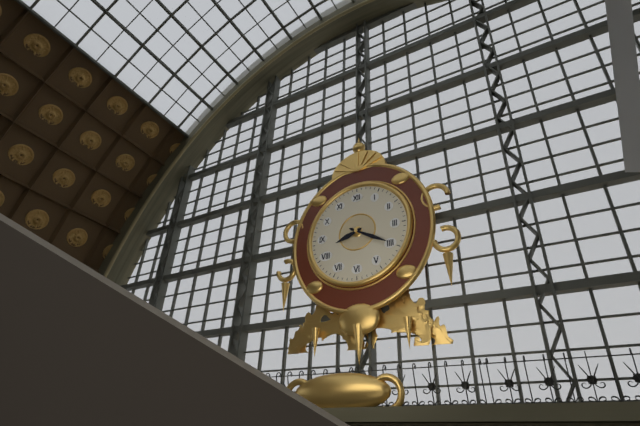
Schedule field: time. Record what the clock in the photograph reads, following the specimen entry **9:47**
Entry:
**8:20**
